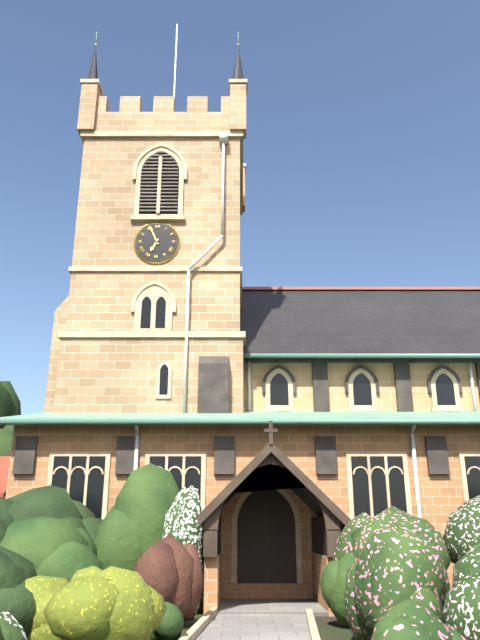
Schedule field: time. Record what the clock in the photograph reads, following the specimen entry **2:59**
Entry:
**6:56**
